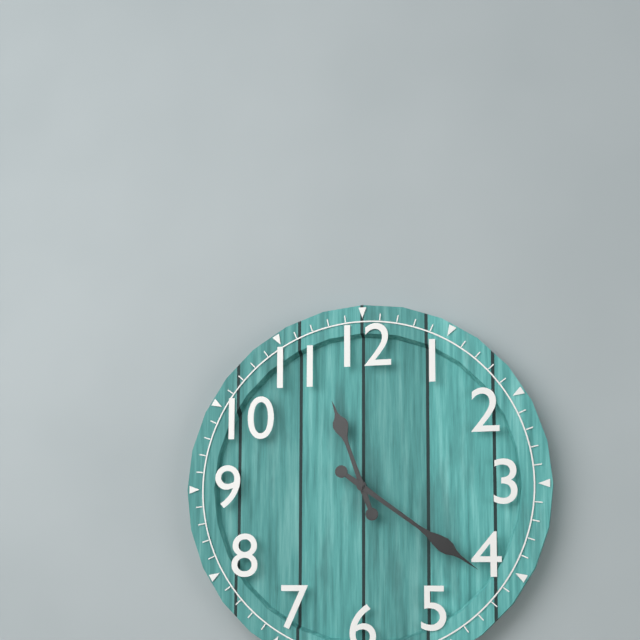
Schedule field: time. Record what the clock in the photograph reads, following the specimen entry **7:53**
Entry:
**11:21**
